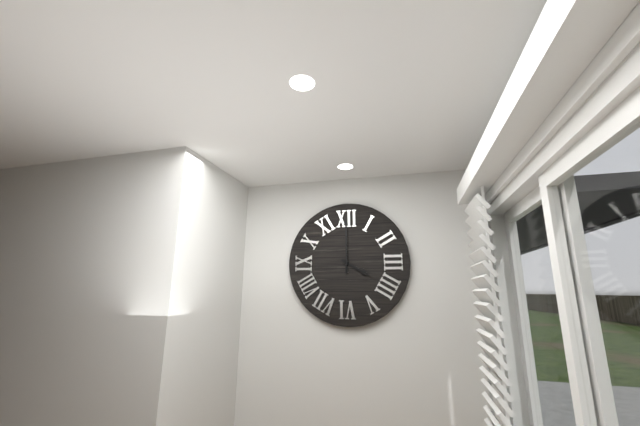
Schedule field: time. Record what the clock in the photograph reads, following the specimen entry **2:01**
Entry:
**4:00**
